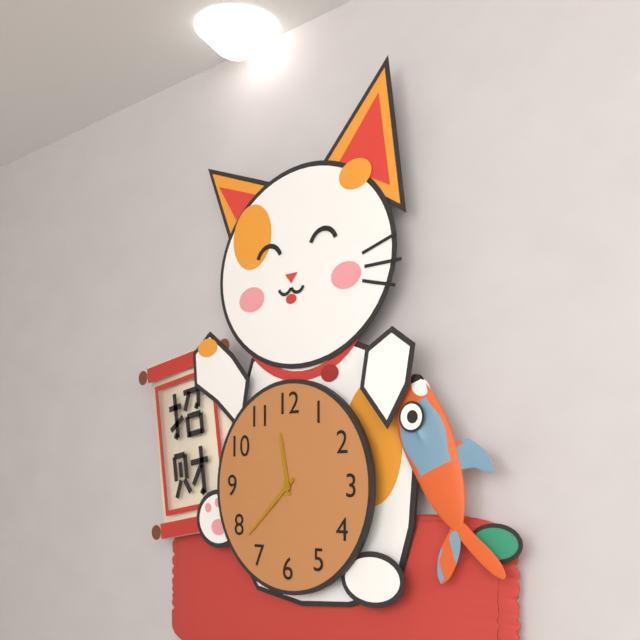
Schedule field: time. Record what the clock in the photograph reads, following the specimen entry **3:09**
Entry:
**11:38**
